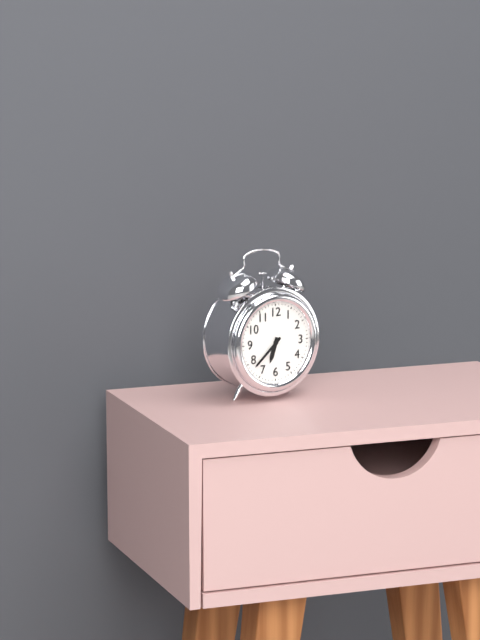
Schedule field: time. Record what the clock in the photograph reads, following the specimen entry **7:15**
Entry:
**6:38**
